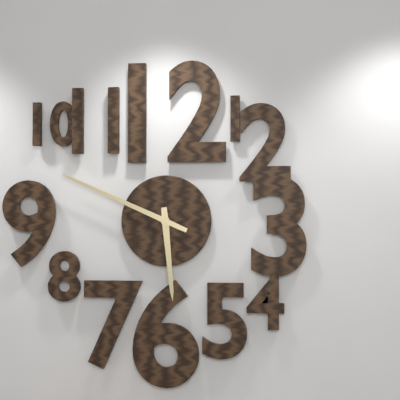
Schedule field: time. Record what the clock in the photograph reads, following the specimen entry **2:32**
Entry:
**5:49**
